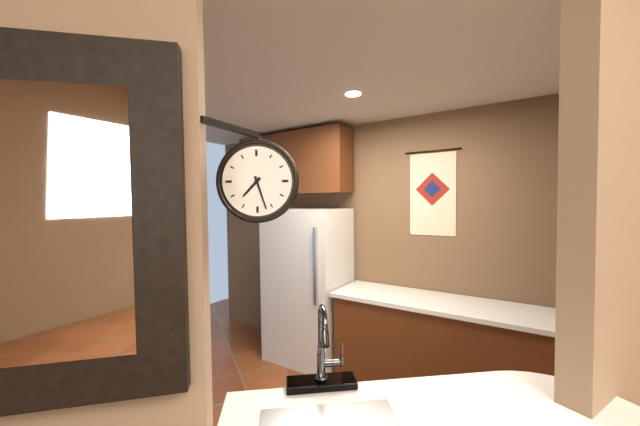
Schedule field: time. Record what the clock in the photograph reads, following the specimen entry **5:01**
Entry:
**7:27**
